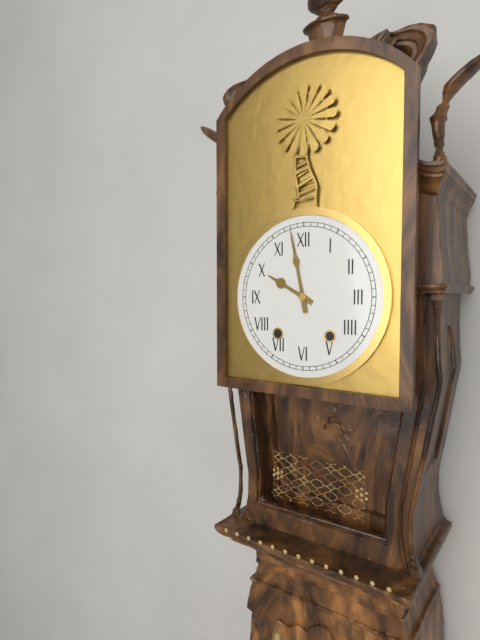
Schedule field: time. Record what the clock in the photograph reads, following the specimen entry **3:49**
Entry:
**9:58**
